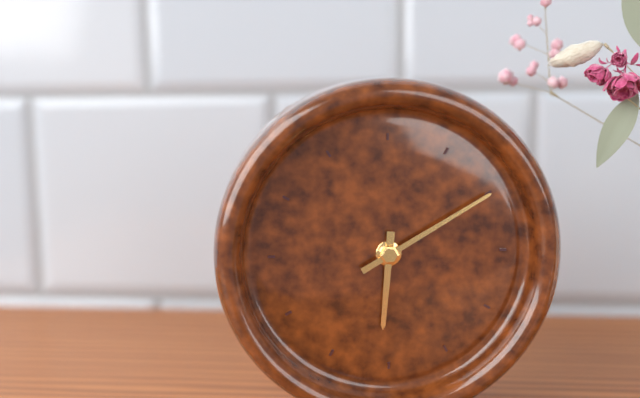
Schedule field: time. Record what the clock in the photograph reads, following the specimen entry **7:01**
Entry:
**6:10**
